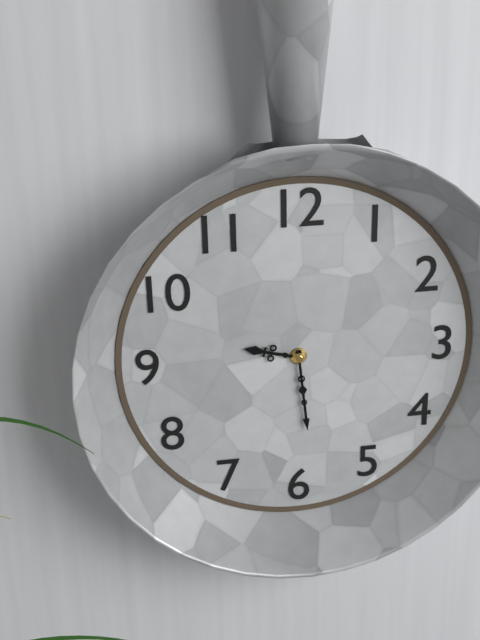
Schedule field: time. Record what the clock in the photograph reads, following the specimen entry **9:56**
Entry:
**9:29**
